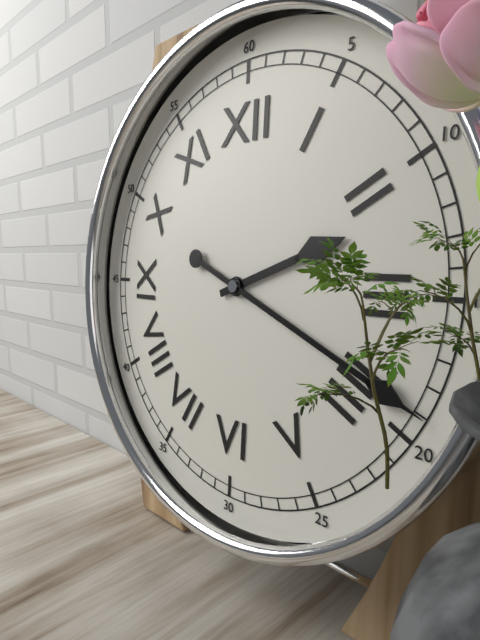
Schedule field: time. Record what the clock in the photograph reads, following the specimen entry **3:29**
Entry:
**2:19**
